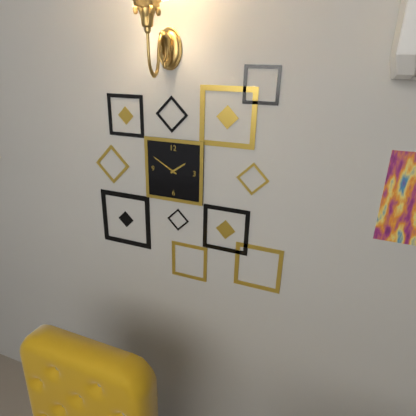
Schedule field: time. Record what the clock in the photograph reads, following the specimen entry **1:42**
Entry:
**1:50**
